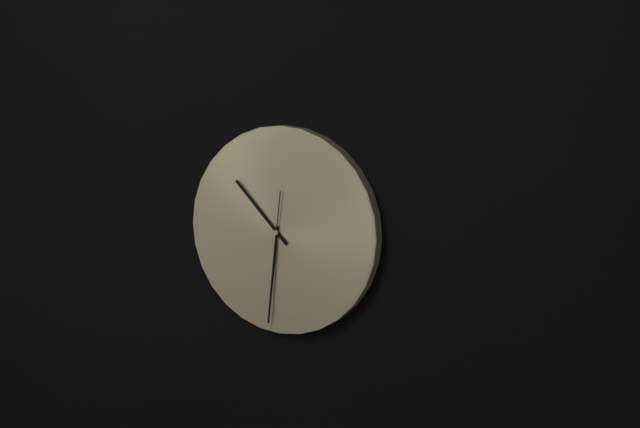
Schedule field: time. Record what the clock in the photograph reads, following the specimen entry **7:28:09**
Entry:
**10:31:31**
